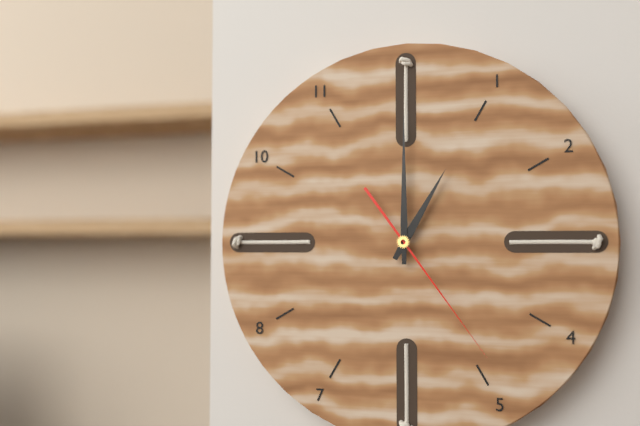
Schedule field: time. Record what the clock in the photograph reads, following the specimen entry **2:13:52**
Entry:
**1:00:24**
